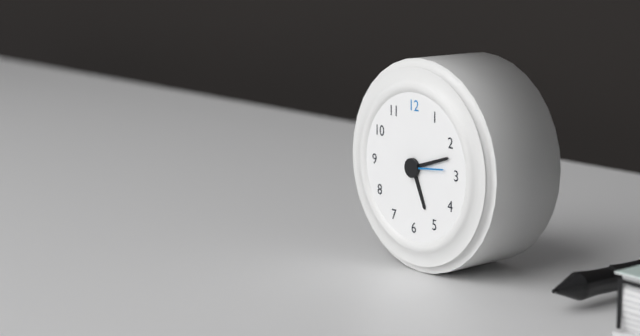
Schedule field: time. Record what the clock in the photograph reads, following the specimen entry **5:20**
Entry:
**5:12**
